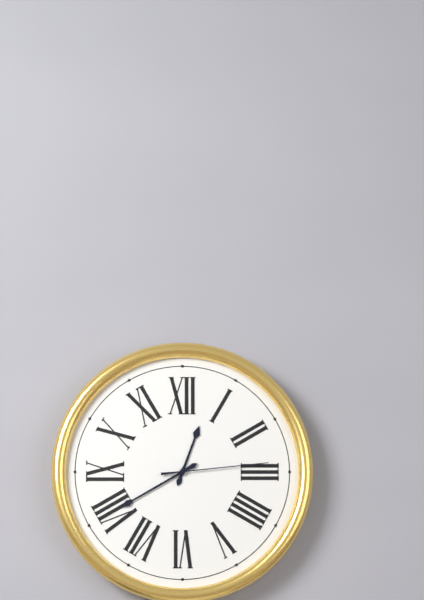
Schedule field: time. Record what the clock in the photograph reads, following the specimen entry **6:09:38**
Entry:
**12:40:14**
